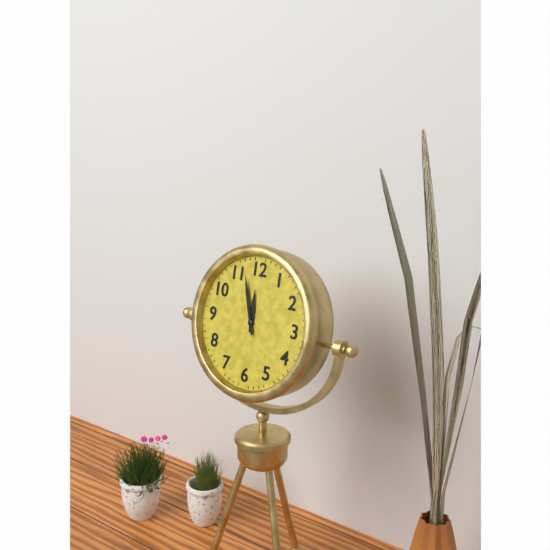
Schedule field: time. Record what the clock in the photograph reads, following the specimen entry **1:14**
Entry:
**11:57**
